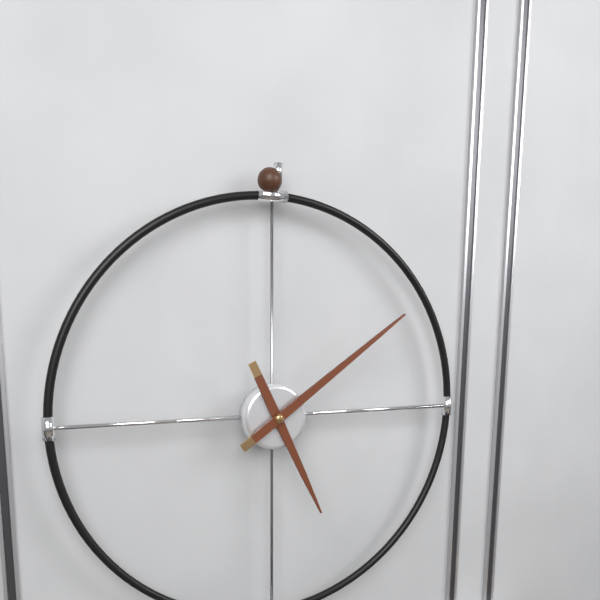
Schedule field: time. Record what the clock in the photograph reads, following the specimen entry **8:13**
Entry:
**5:09**
